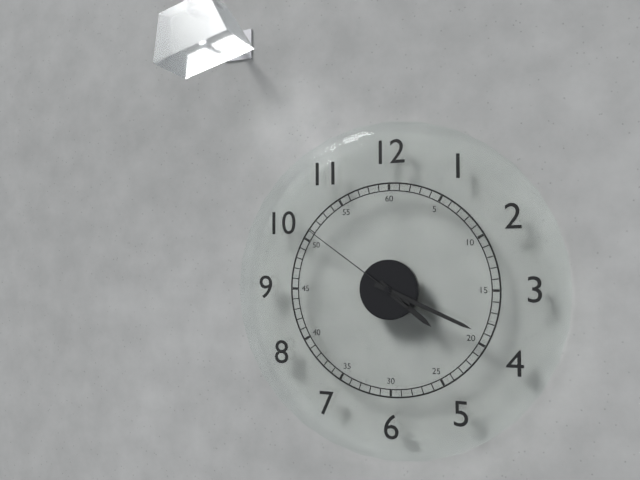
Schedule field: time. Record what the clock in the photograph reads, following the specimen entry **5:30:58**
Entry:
**4:19:51**
